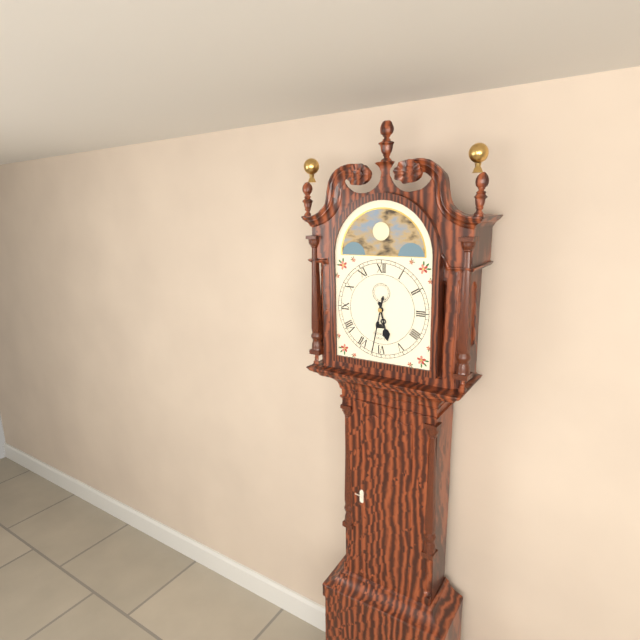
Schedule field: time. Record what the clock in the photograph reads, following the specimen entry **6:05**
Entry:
**5:32**
